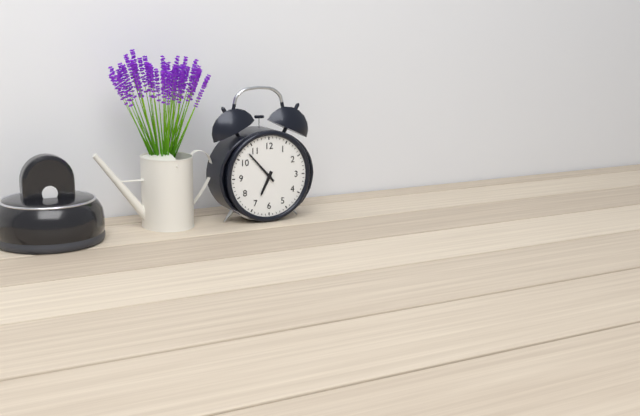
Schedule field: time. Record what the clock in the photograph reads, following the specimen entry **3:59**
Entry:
**6:53**
